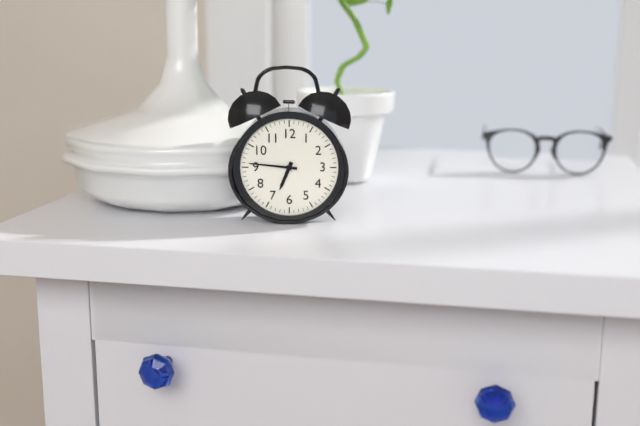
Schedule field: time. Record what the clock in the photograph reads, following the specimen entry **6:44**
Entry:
**6:46**
